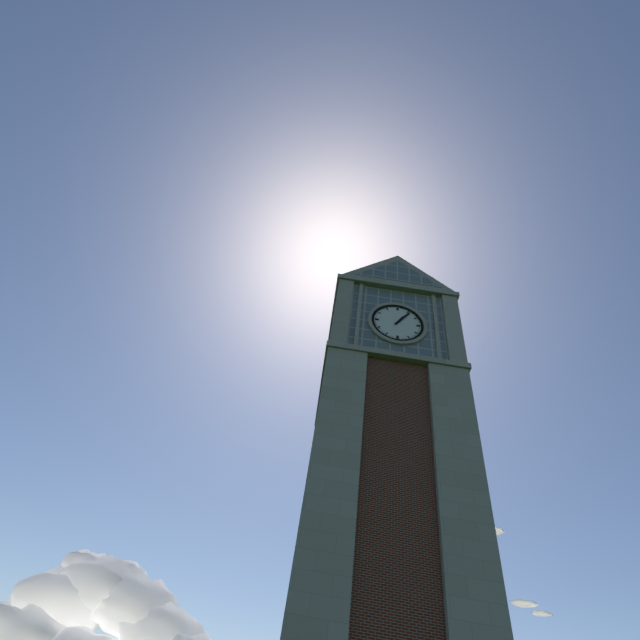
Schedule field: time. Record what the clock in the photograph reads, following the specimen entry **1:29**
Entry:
**1:06**
